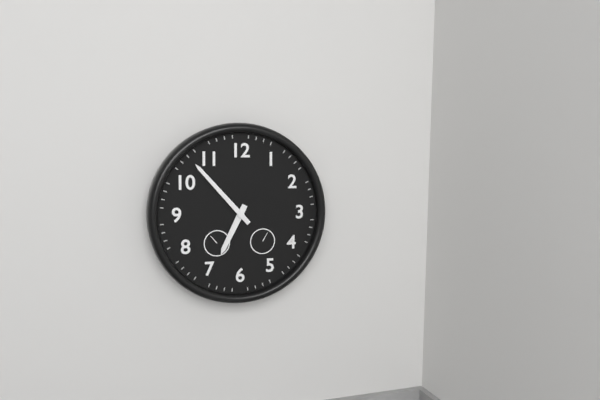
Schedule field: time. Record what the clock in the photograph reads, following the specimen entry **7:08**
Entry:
**6:53**
